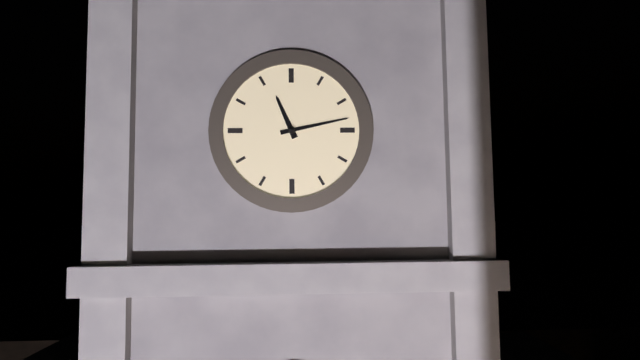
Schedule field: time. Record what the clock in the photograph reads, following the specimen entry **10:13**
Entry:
**11:13**
